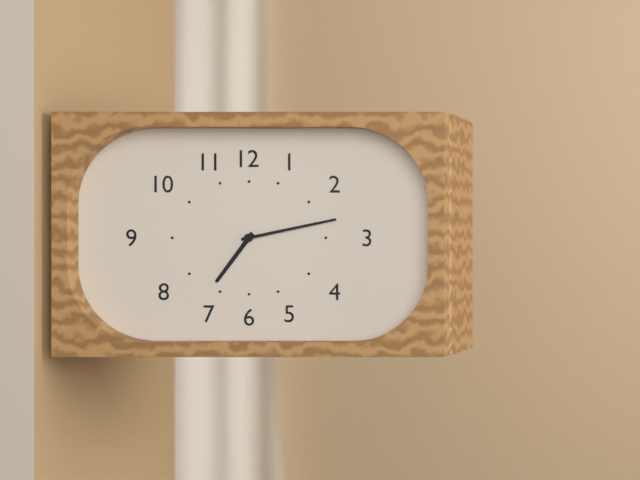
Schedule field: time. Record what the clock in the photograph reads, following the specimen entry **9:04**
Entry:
**7:13**
